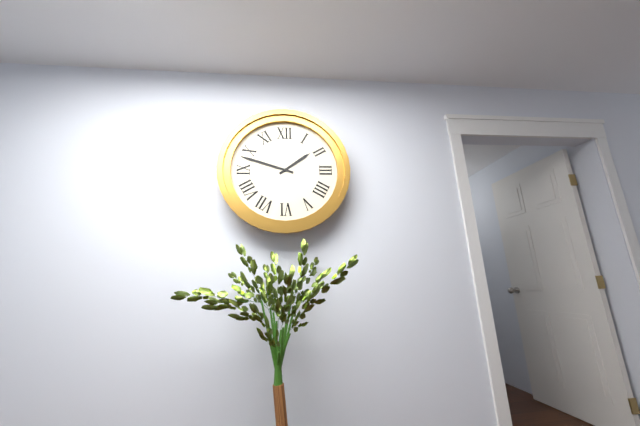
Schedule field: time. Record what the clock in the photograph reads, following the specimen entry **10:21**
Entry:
**1:48**
